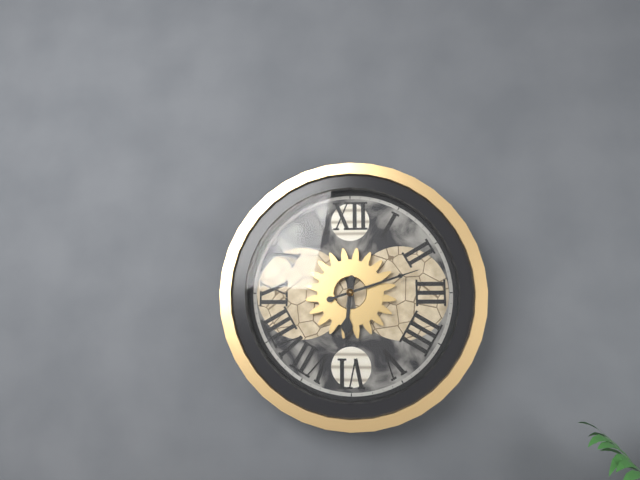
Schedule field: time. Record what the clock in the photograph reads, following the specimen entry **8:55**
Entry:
**6:12**
